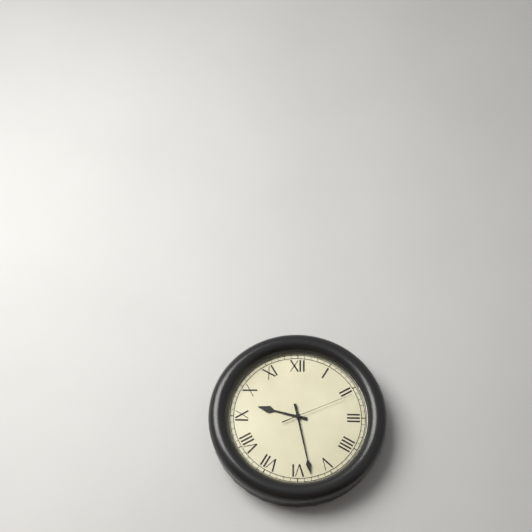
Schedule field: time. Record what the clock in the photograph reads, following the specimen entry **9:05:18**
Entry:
**9:28:11**
